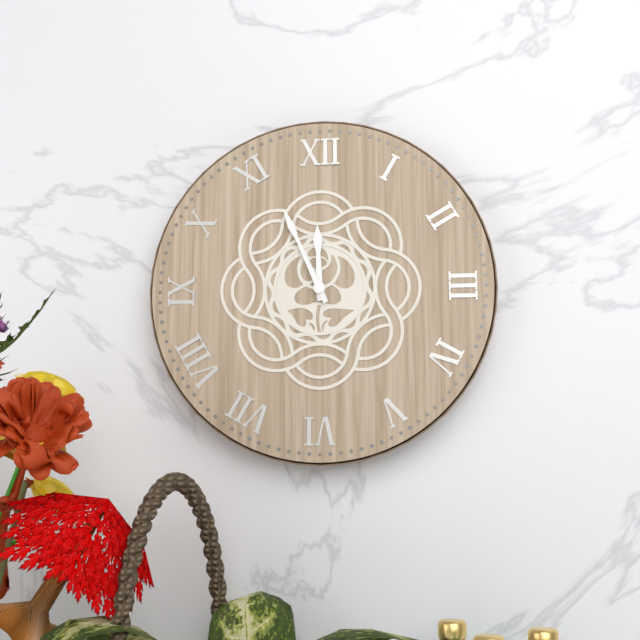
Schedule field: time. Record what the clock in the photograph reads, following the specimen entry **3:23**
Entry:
**11:56**
